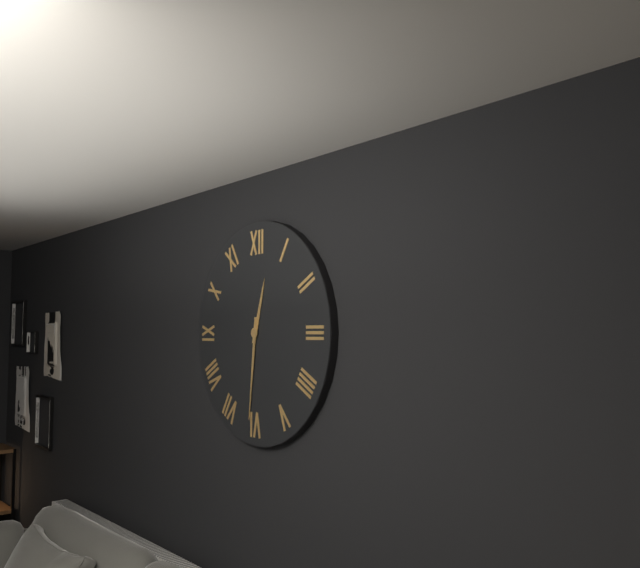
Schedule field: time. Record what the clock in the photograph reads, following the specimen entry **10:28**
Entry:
**12:31**
